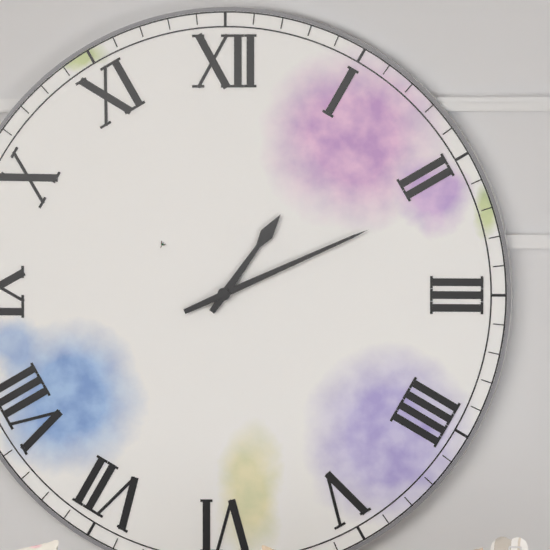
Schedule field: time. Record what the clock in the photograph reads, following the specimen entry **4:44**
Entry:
**1:11**
